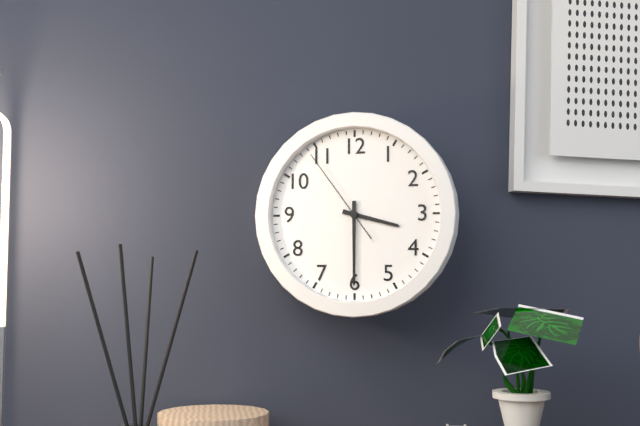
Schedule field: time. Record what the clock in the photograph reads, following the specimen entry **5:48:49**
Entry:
**3:30:54**
